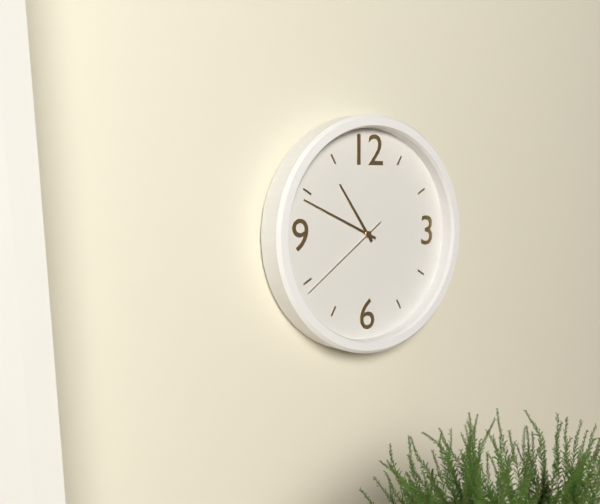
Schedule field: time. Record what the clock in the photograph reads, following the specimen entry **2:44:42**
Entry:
**10:49:39**
